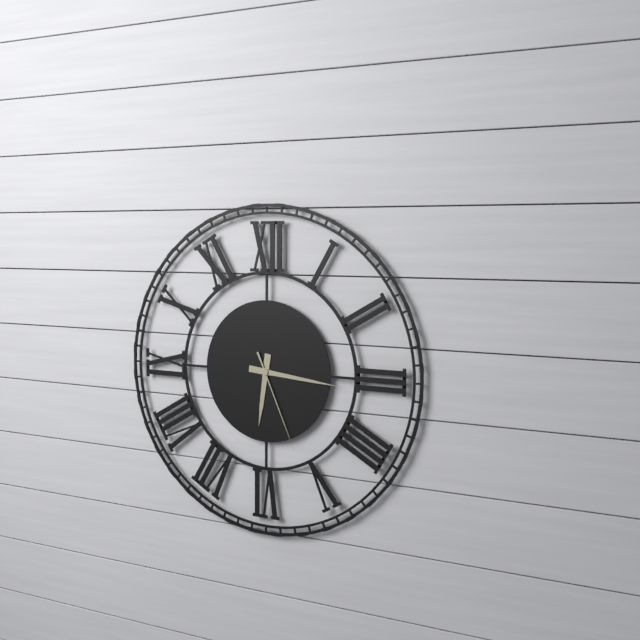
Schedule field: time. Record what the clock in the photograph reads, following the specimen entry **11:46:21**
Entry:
**6:16:26**
